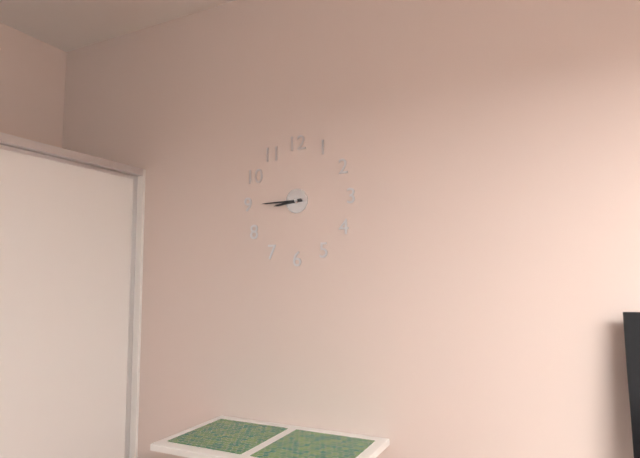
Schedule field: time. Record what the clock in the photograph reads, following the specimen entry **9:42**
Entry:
**8:45**
